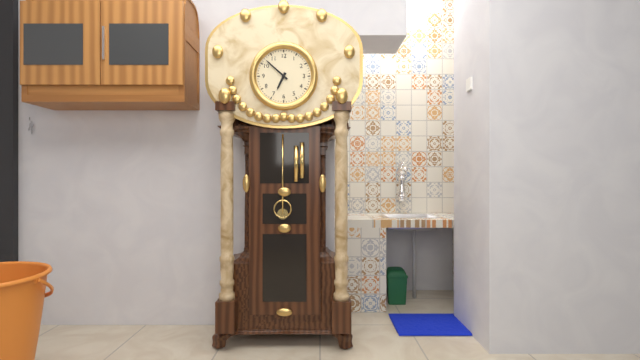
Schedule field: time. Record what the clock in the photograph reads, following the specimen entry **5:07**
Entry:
**6:52**
